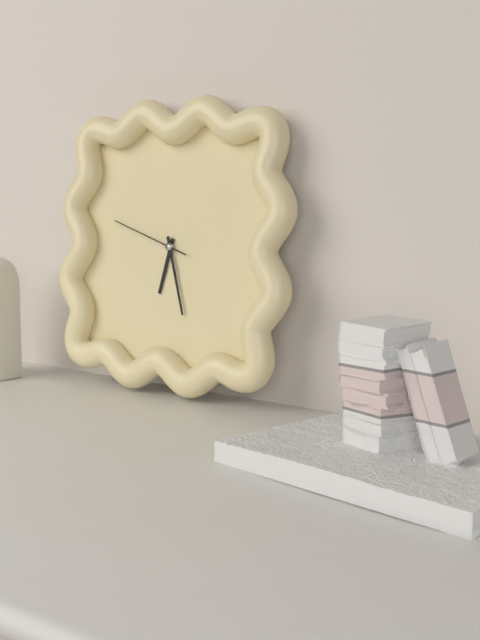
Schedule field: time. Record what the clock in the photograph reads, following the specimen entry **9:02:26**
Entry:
**6:27:48**
